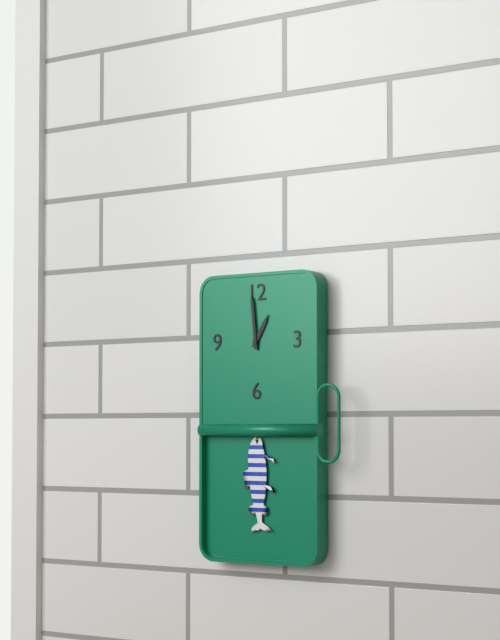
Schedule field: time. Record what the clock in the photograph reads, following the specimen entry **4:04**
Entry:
**12:59**
